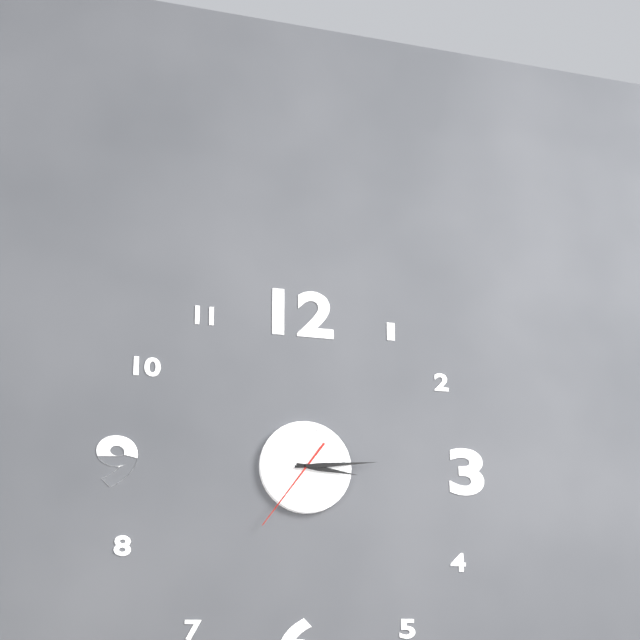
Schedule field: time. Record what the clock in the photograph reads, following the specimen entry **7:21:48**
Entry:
**3:14:36**
